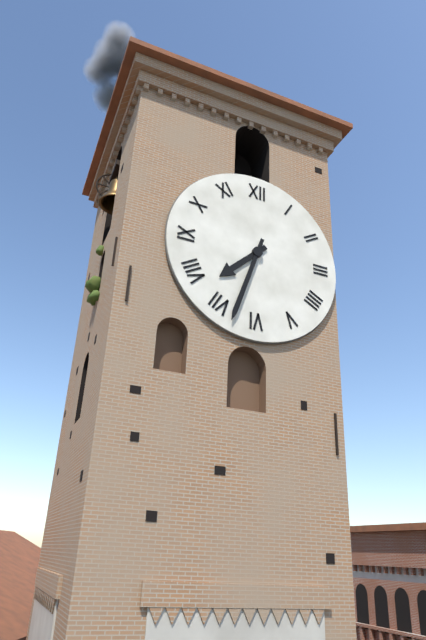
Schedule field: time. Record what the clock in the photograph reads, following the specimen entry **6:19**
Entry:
**7:33**
